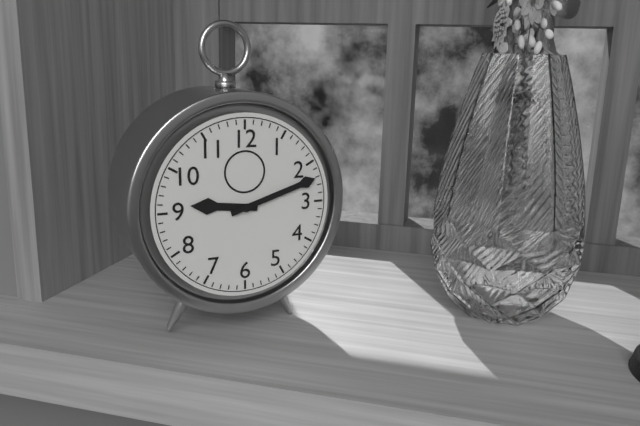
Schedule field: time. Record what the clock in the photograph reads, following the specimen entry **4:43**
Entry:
**9:12**
